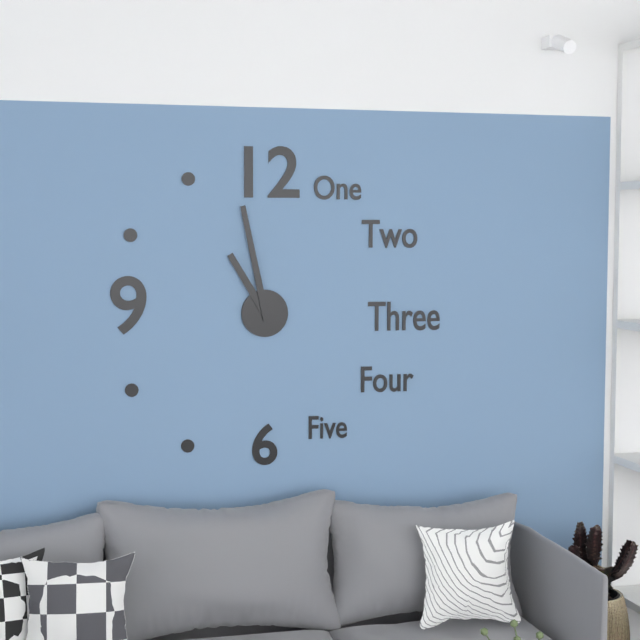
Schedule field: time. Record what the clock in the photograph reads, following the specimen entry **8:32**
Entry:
**10:58**
